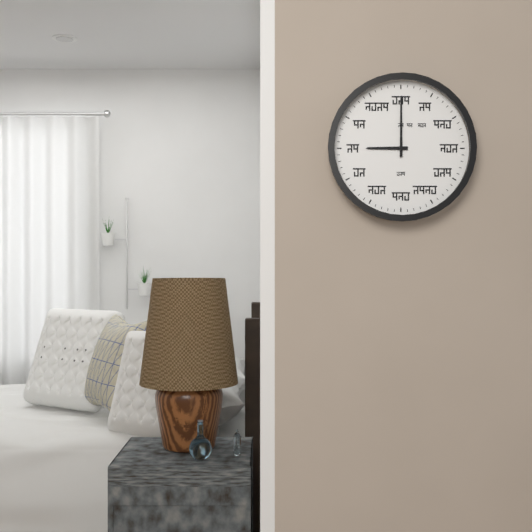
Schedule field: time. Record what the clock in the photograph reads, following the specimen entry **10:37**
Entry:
**9:00**
